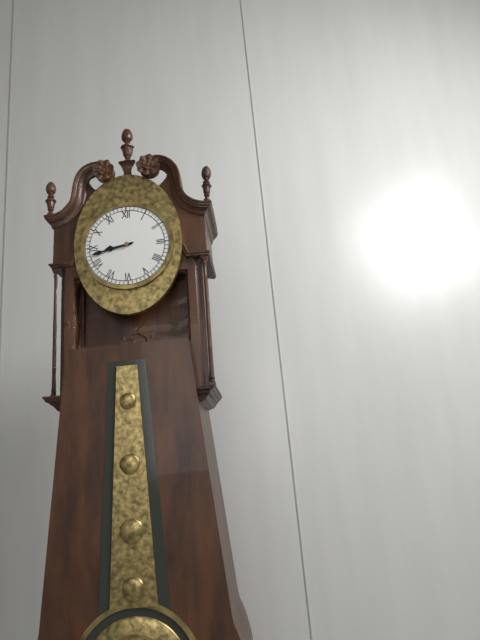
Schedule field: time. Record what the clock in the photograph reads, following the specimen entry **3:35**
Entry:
**8:43**
